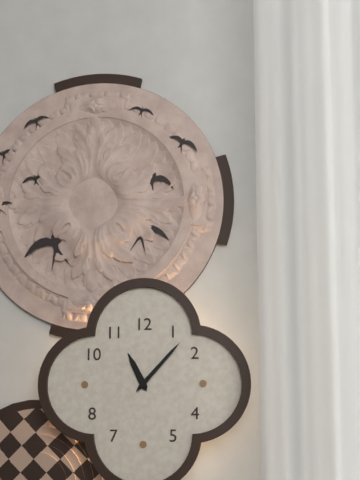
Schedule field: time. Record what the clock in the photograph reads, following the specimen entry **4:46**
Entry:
**11:07**
